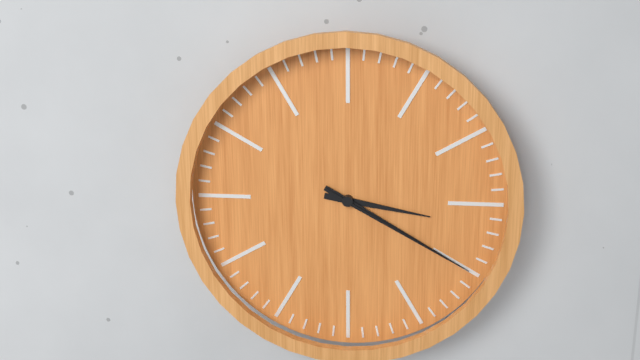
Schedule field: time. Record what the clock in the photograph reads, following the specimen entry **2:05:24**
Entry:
**3:20:20**
